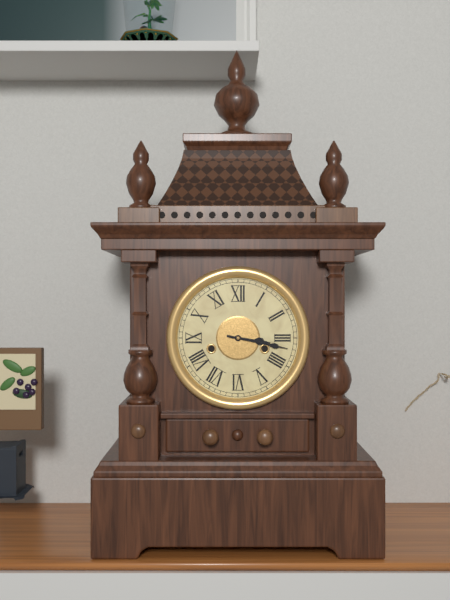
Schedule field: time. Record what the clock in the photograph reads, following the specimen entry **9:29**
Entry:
**3:17**
